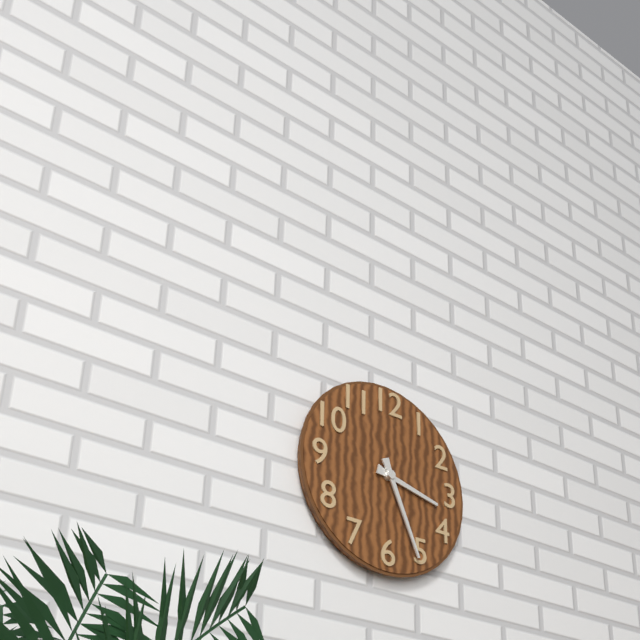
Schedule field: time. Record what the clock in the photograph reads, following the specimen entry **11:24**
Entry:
**3:26**
